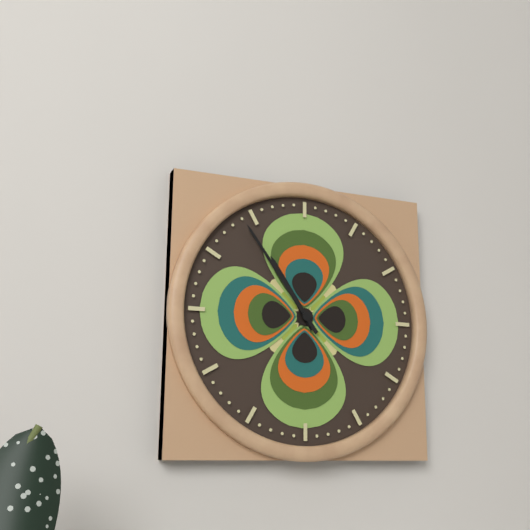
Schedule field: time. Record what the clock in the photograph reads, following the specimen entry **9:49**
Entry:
**10:54**
